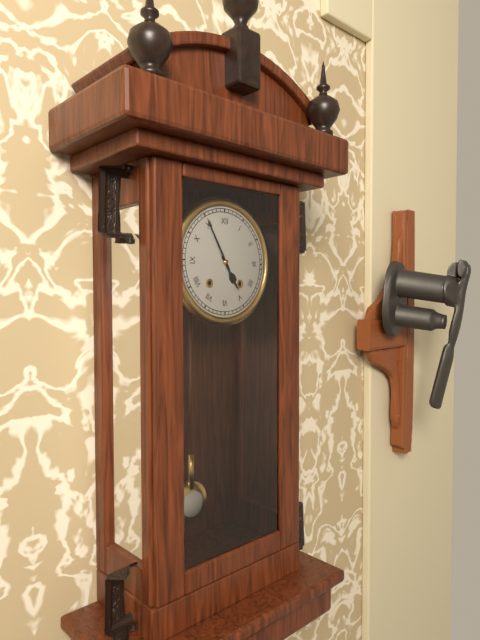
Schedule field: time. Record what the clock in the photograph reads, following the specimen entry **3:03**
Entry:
**4:55**
